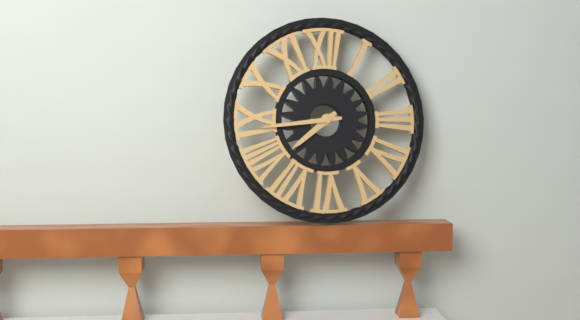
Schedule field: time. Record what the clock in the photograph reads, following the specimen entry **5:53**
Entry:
**7:44**
